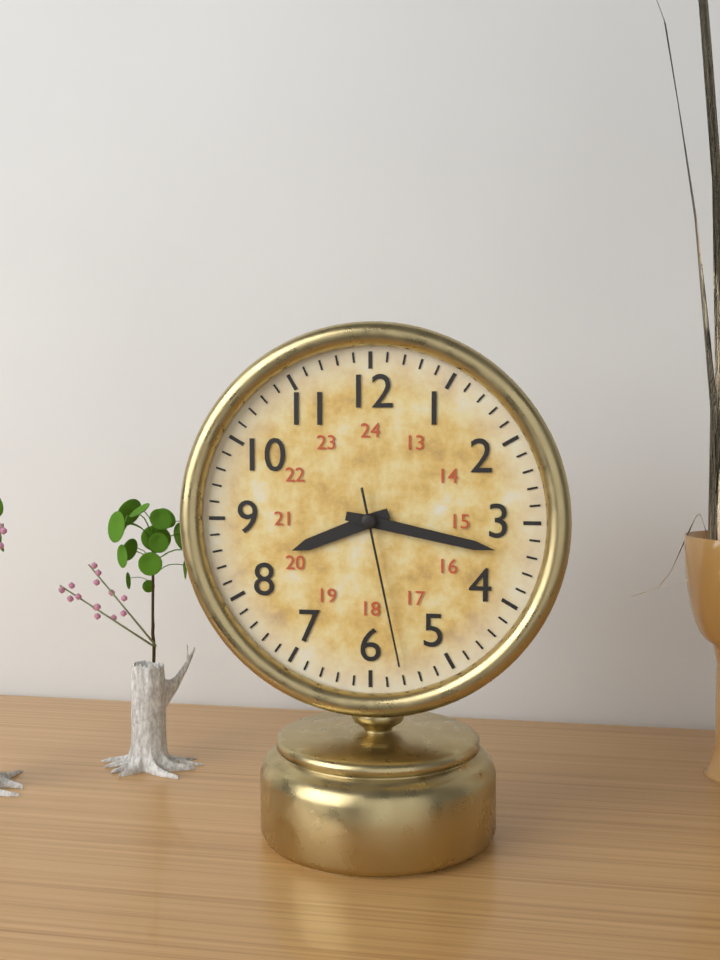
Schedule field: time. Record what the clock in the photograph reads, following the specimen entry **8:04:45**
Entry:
**8:17:28**
